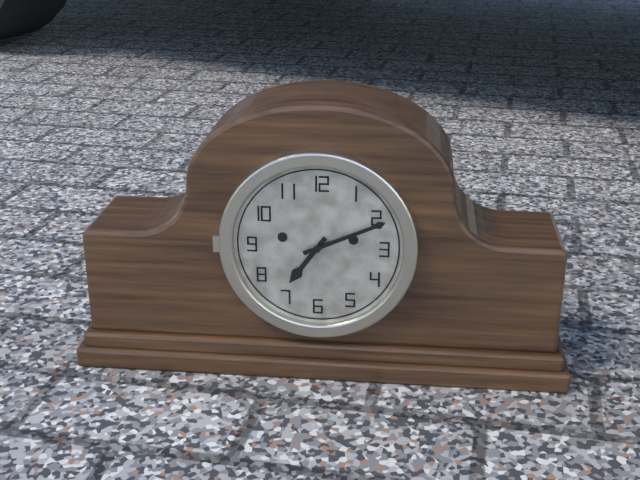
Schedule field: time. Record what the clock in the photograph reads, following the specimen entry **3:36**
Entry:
**7:11**
